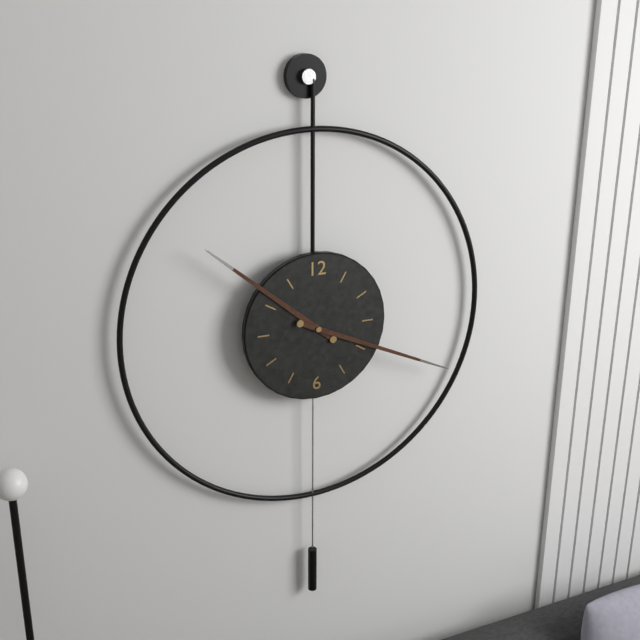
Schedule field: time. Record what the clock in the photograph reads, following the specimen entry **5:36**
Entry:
**10:19**
